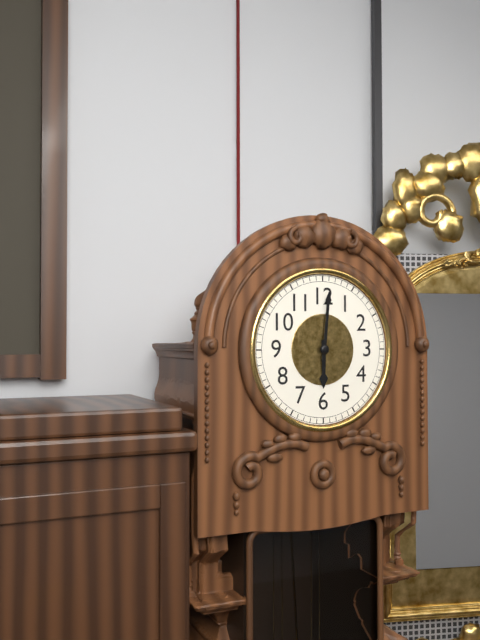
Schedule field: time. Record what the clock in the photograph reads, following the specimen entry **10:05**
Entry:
**6:01**
